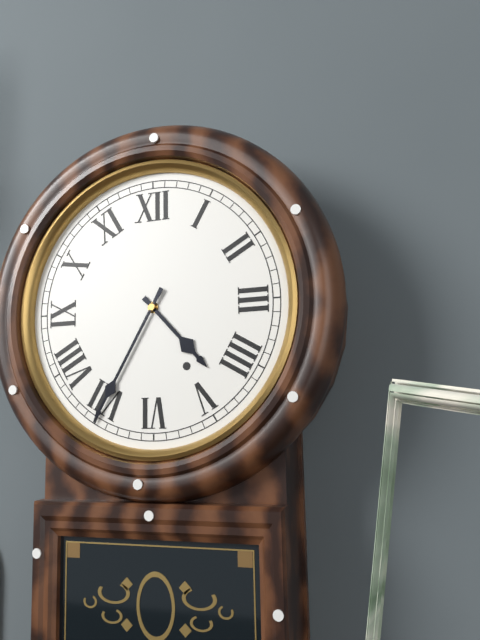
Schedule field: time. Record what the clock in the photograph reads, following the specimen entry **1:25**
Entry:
**4:35**
